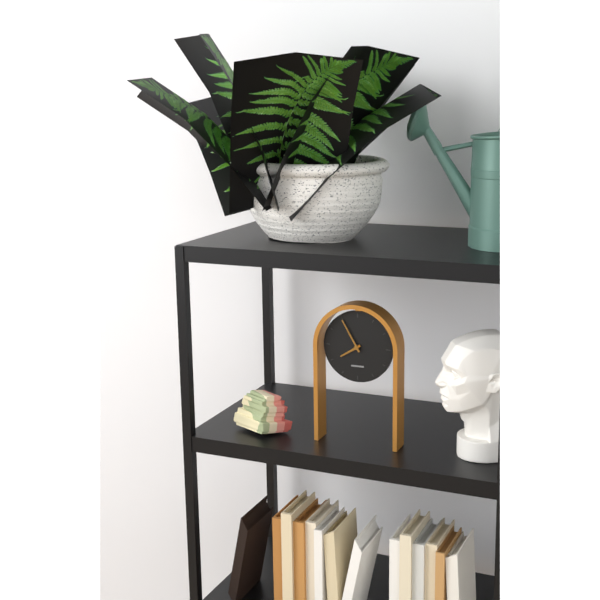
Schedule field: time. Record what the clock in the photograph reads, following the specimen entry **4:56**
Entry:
**7:55**
